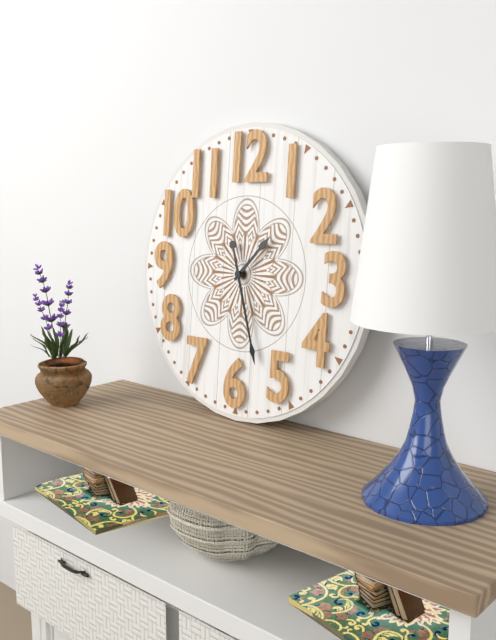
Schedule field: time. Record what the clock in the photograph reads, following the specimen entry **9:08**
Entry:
**1:27**
